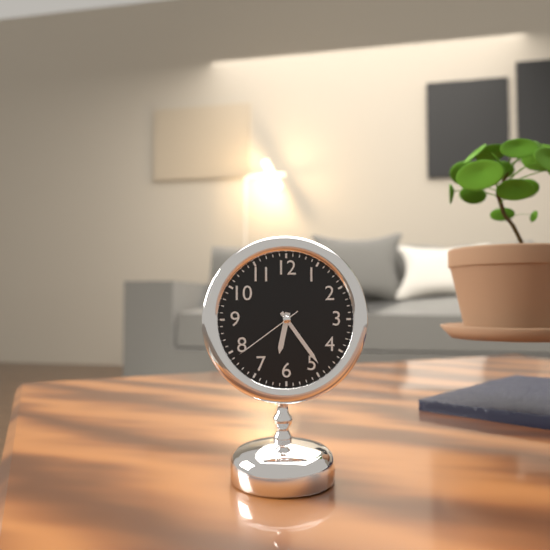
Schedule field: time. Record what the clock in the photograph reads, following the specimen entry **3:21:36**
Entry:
**6:24:39**
